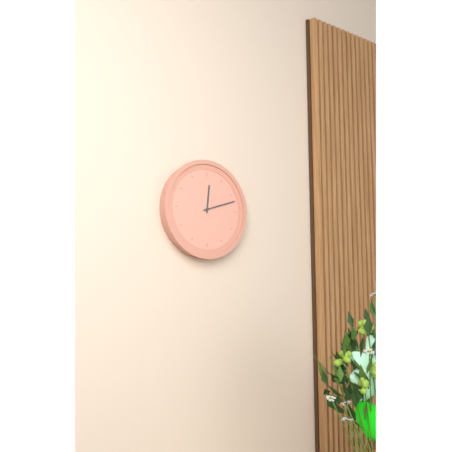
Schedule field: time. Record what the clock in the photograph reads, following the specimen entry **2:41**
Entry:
**12:12**
